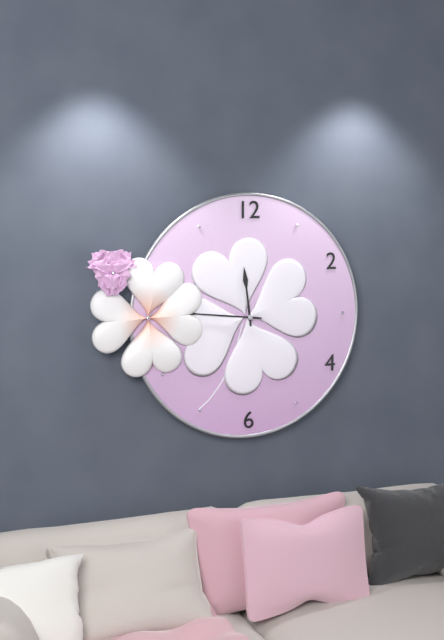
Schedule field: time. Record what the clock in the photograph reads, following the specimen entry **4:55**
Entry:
**11:46**
